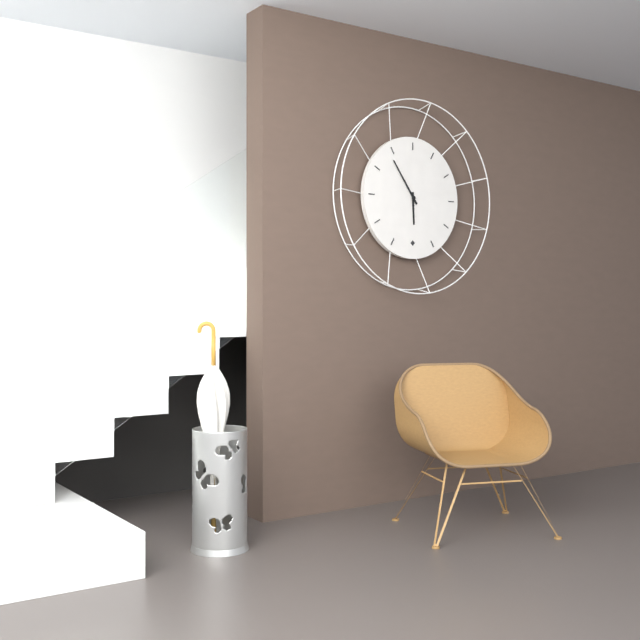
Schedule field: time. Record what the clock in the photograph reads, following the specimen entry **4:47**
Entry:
**5:54**
